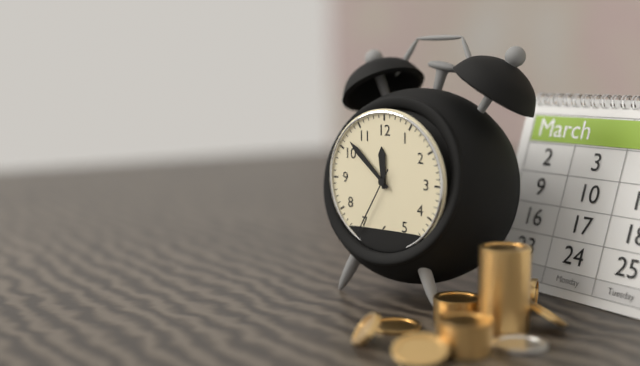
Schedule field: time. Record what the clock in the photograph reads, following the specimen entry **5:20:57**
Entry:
**11:52:35**
